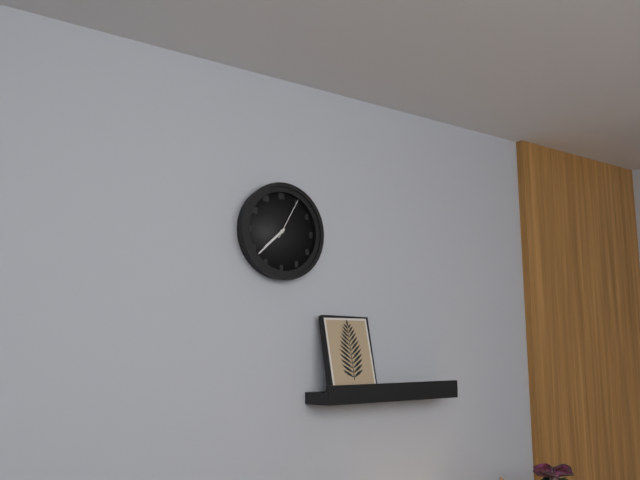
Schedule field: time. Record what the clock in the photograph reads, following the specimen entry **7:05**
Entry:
**7:38**
